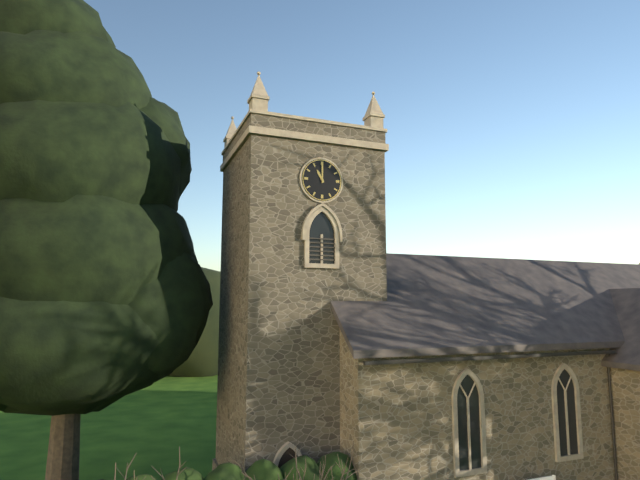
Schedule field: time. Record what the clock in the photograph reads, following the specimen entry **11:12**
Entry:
**11:00**
